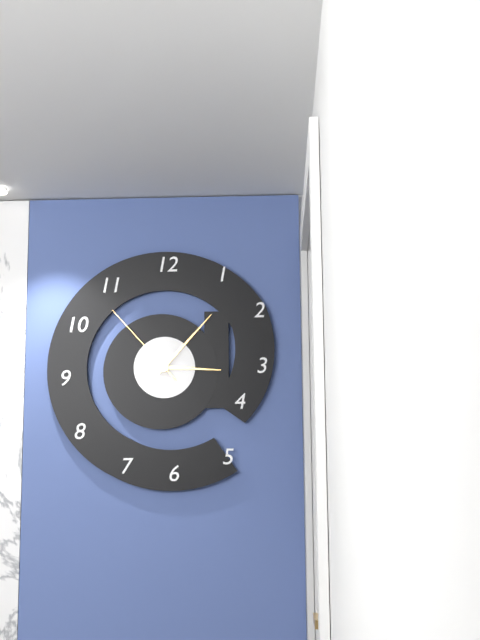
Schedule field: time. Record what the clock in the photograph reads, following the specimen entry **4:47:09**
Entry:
**3:07:53**
